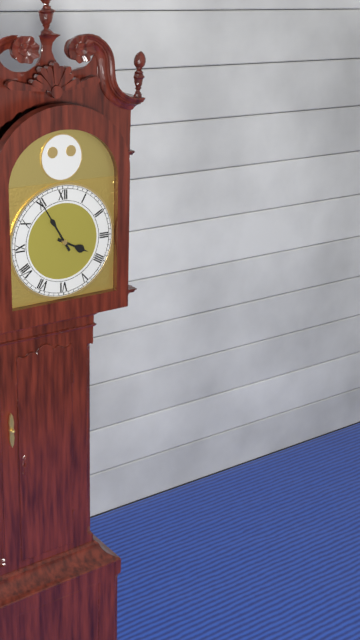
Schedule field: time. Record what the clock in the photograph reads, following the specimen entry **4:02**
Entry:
**3:55**
